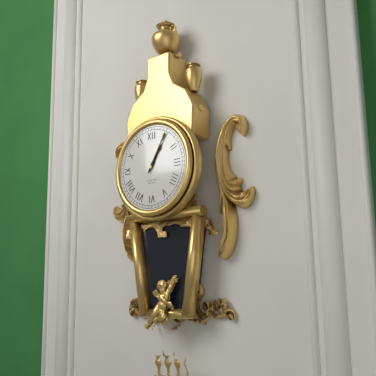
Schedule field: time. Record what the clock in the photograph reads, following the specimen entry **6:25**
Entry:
**1:05**
